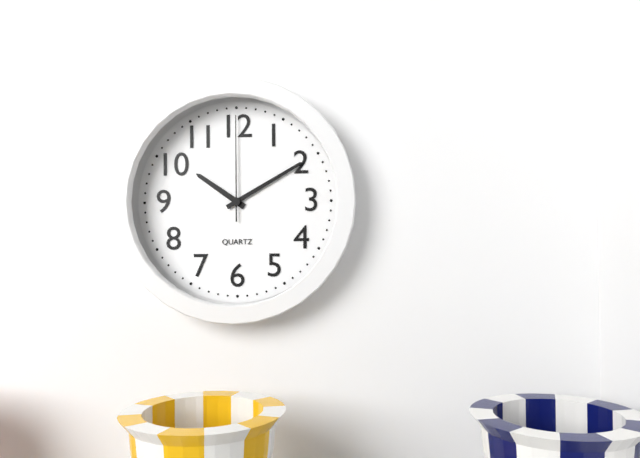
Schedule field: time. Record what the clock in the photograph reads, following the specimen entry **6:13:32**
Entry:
**10:10:00**
